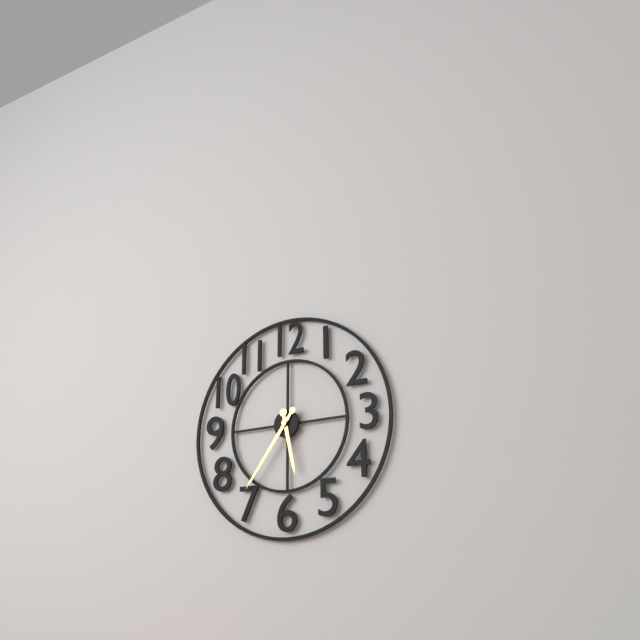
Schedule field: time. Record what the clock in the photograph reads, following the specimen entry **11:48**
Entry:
**5:36**
